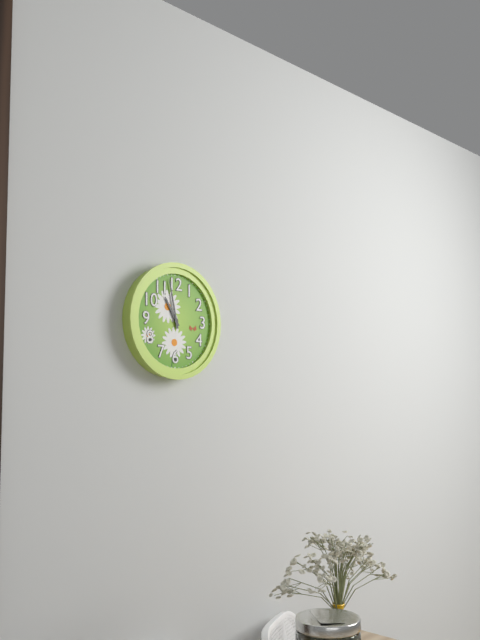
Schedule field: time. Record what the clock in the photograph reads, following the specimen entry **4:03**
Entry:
**10:58**
